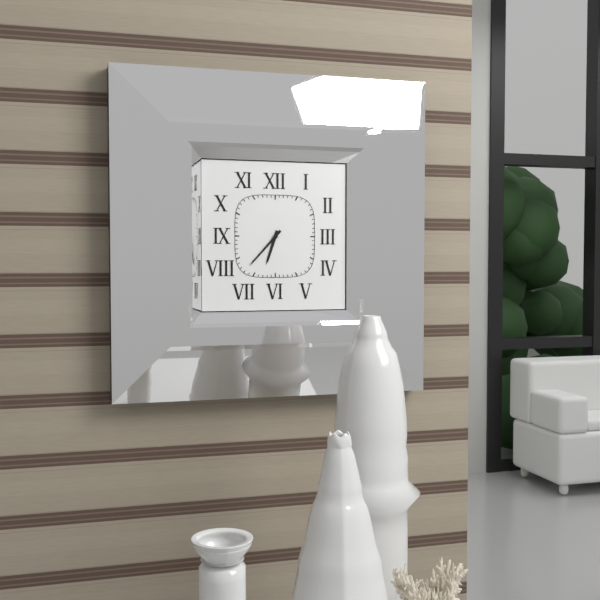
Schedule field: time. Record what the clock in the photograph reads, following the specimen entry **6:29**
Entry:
**6:37**
